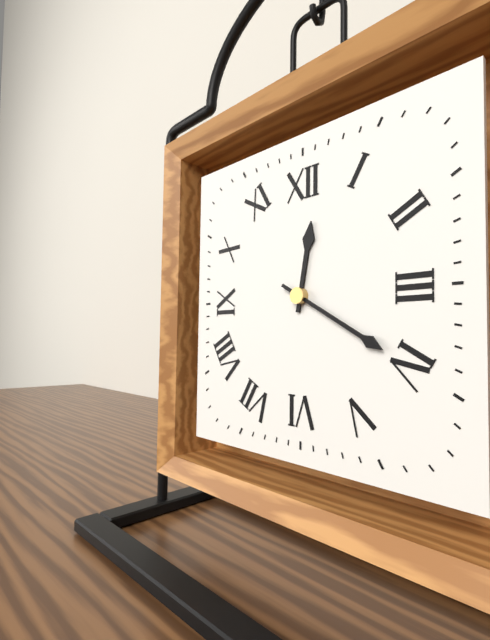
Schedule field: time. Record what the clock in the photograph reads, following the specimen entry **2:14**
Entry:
**12:20**
